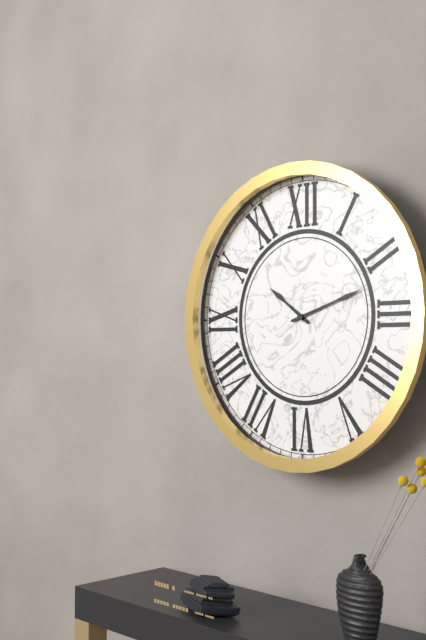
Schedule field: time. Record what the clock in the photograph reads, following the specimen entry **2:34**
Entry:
**10:12**
